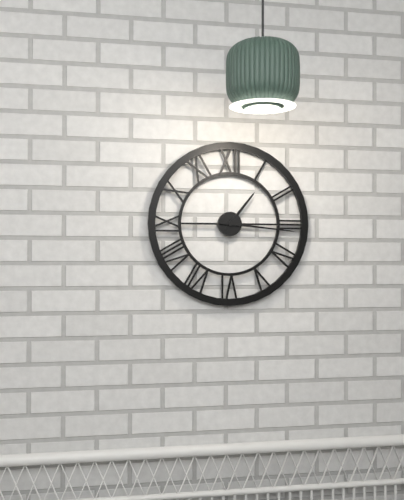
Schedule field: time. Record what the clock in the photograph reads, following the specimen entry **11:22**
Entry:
**1:16**
